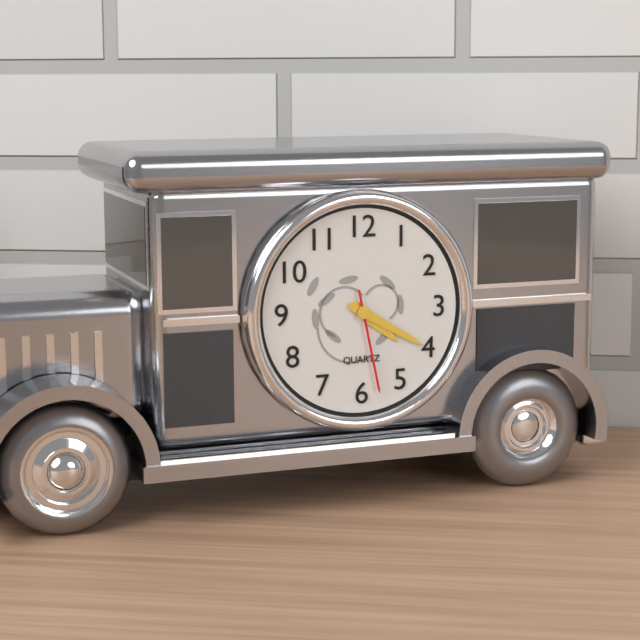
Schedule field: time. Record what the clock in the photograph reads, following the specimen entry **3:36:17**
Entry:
**4:20:28**
